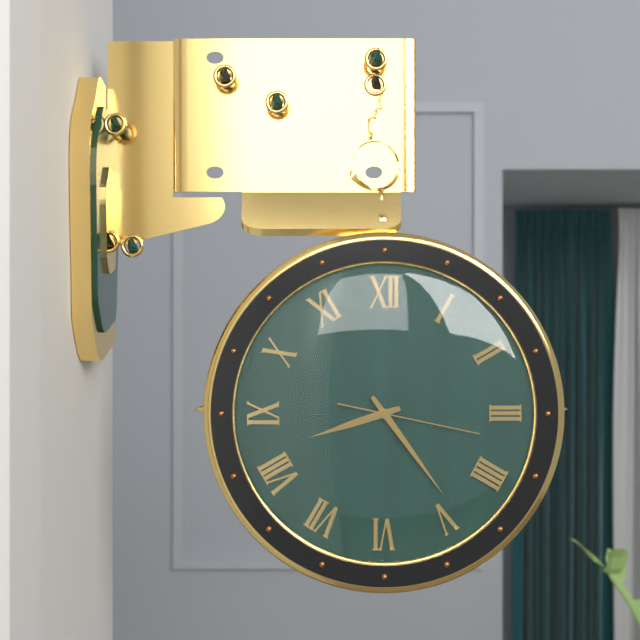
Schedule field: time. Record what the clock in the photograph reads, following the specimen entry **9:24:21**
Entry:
**8:24:17**
